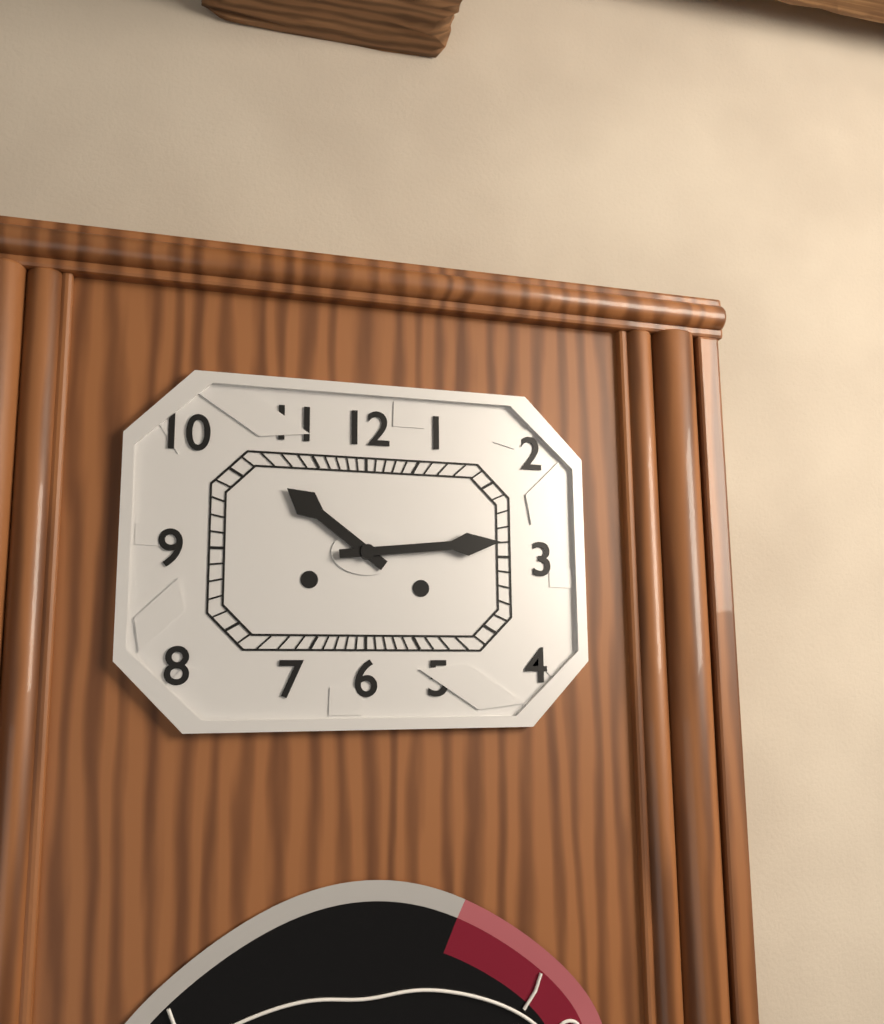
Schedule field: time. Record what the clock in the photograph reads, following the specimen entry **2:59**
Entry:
**10:14**
